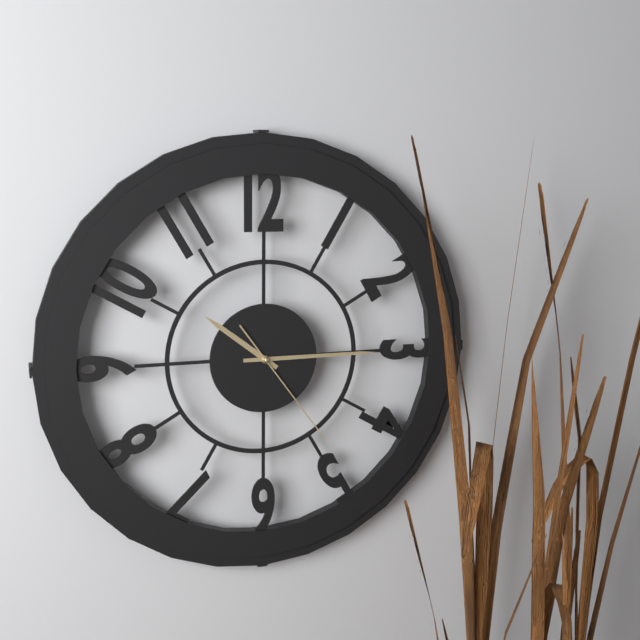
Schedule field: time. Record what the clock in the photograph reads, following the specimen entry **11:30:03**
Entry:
**10:15:24**
